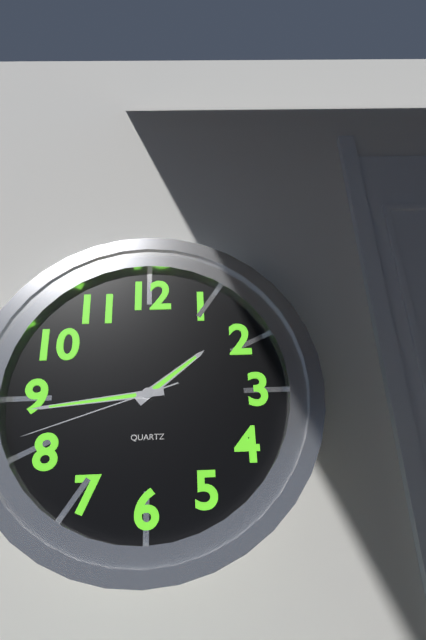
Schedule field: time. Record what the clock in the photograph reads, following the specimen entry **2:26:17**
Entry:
**1:44:42**
